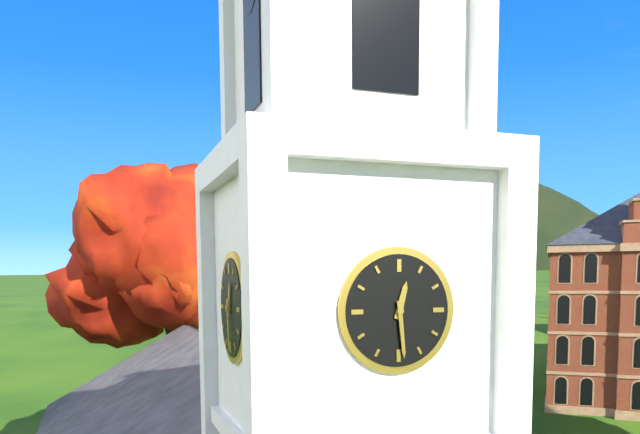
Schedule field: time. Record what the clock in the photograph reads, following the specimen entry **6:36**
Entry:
**12:29**
